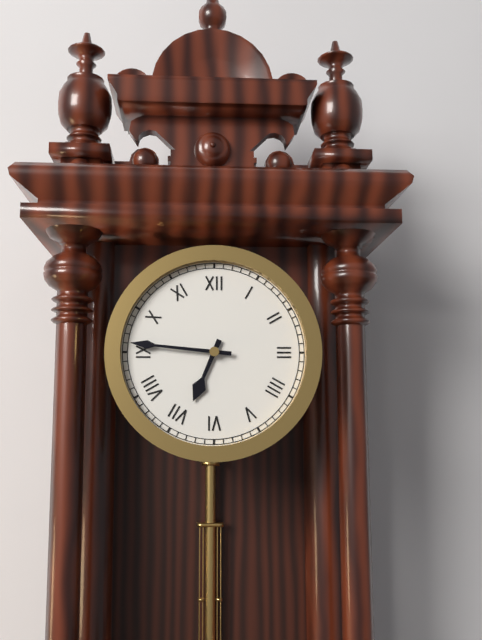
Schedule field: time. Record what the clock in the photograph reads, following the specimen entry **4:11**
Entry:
**6:46**
